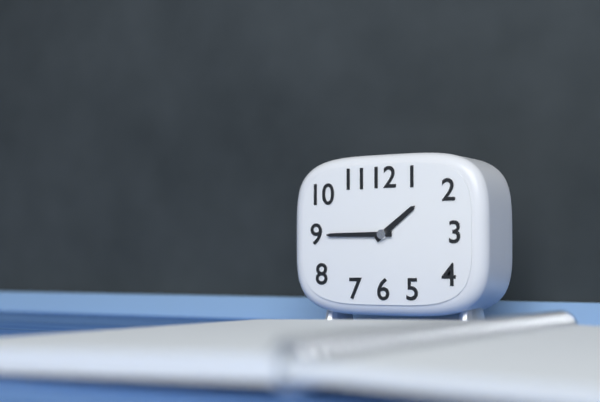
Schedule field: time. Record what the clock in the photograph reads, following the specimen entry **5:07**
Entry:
**1:45**
